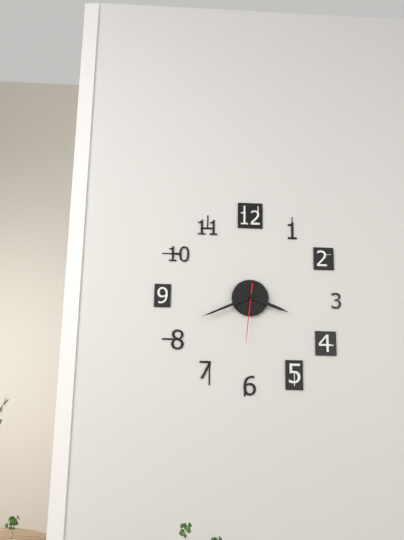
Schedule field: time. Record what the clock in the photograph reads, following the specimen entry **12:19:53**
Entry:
**3:41:31**
